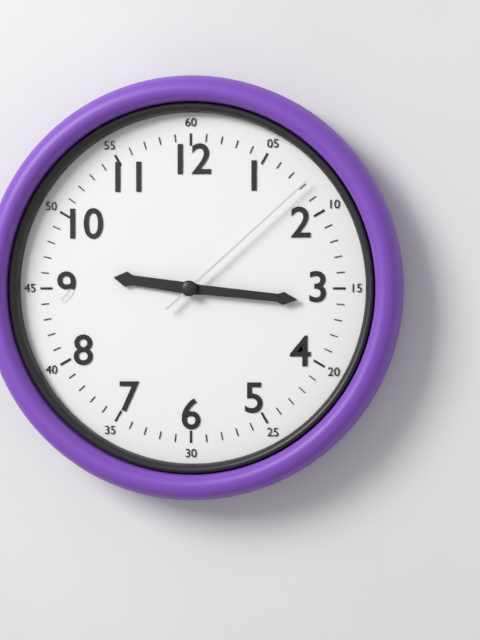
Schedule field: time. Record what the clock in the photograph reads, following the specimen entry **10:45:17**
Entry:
**9:16:08**
